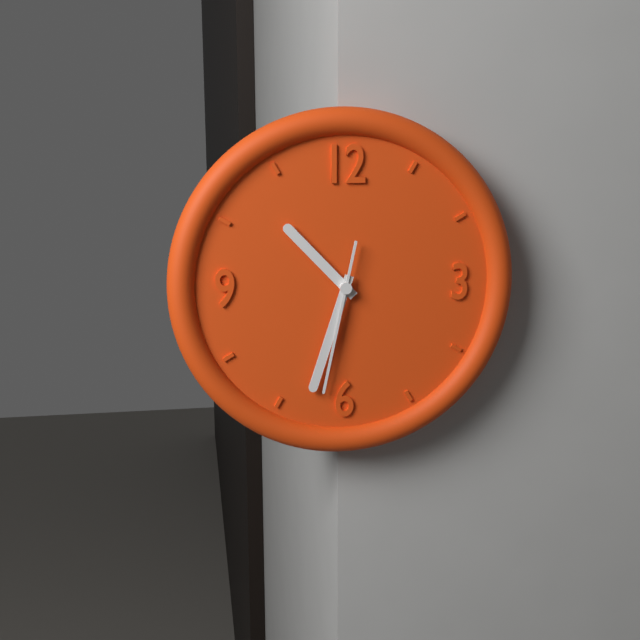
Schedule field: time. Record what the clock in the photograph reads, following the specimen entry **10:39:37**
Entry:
**10:33:32**
